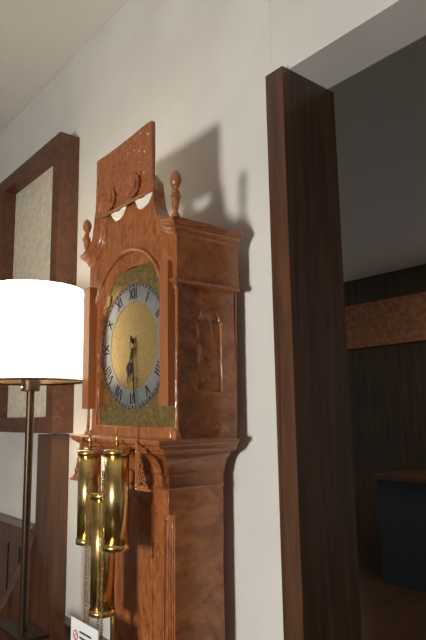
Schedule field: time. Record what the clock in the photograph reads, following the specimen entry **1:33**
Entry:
**6:29**
